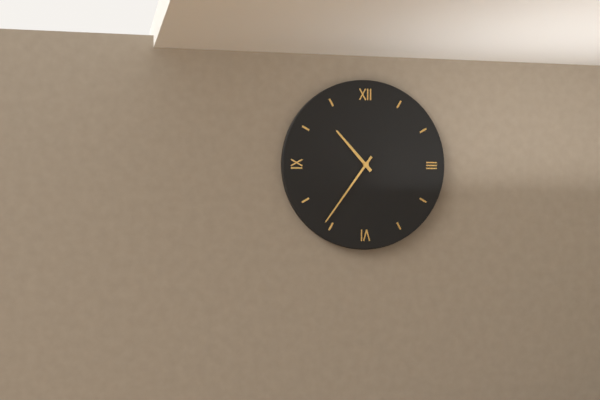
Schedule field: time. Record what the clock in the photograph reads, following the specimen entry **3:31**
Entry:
**10:36**
